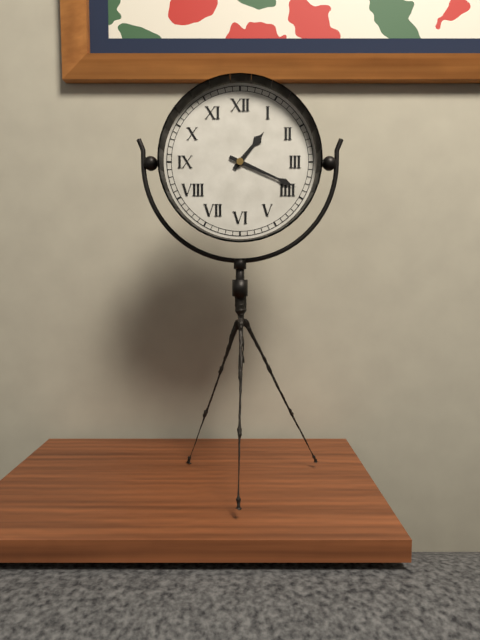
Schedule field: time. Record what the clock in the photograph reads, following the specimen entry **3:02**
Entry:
**1:19**
